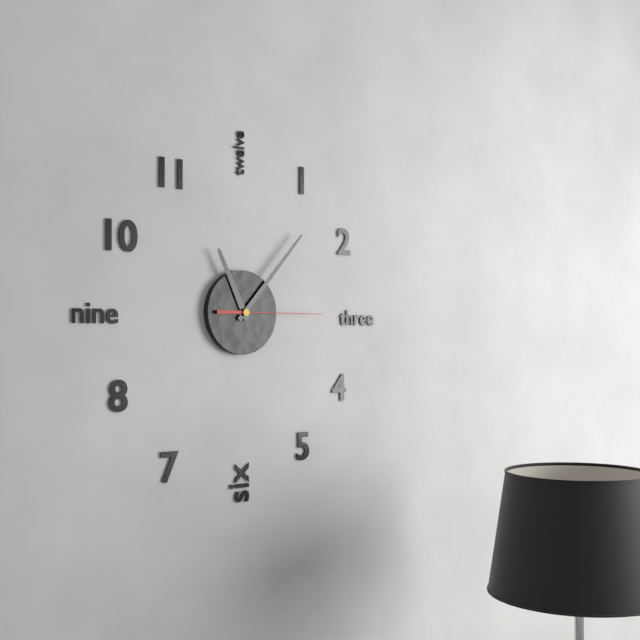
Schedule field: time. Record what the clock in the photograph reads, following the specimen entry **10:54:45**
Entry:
**11:07:15**
